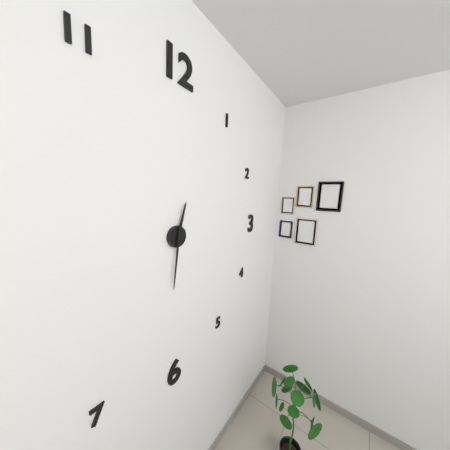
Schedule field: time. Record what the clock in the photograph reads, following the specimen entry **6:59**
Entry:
**12:31**
